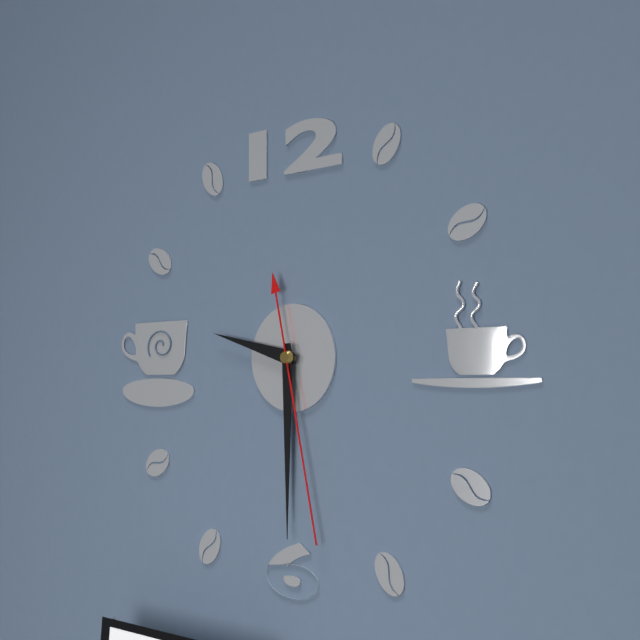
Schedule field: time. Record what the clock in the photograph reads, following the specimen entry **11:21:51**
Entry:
**9:30:28**
